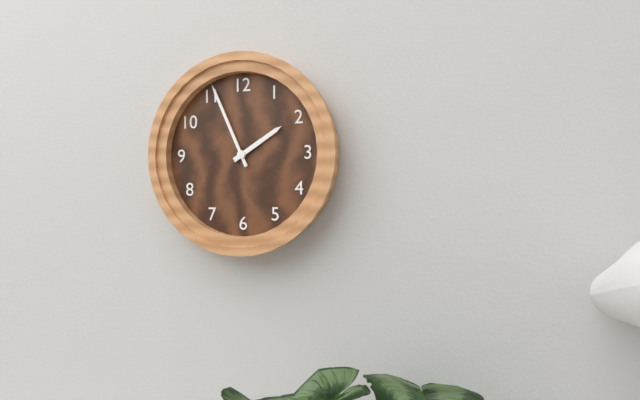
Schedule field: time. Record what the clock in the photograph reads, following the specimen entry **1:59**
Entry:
**1:56**
